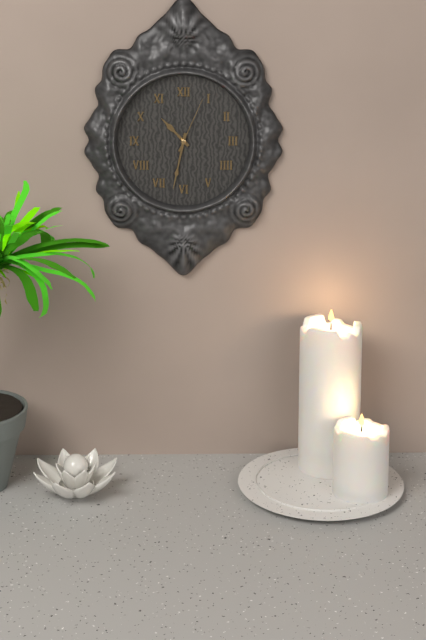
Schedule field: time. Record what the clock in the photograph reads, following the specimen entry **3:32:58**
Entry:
**10:32:04**
